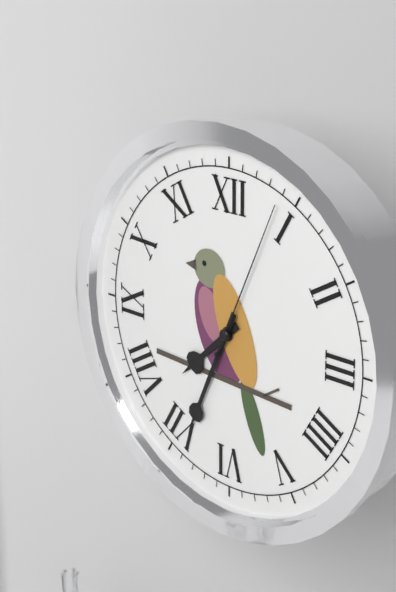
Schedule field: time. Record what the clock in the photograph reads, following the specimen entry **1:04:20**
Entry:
**7:34:04**
